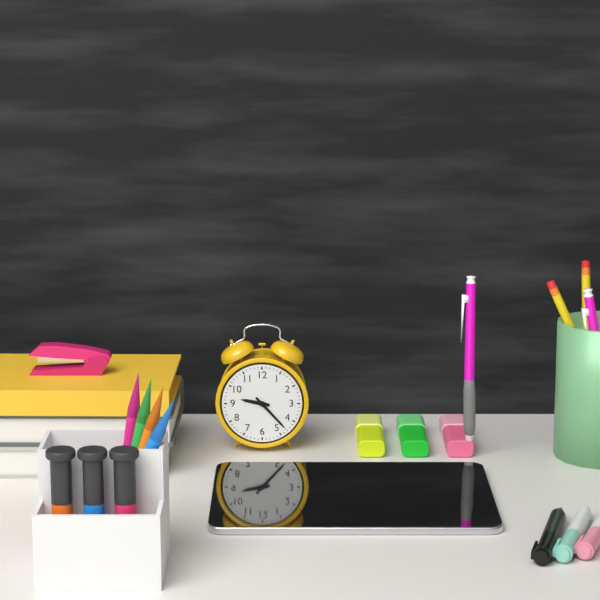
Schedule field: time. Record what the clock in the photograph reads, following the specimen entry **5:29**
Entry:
**9:23**
